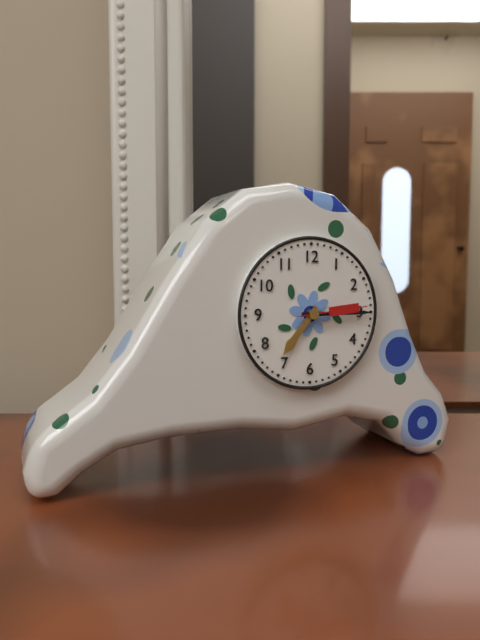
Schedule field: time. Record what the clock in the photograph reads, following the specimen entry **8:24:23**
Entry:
**7:15:14**
